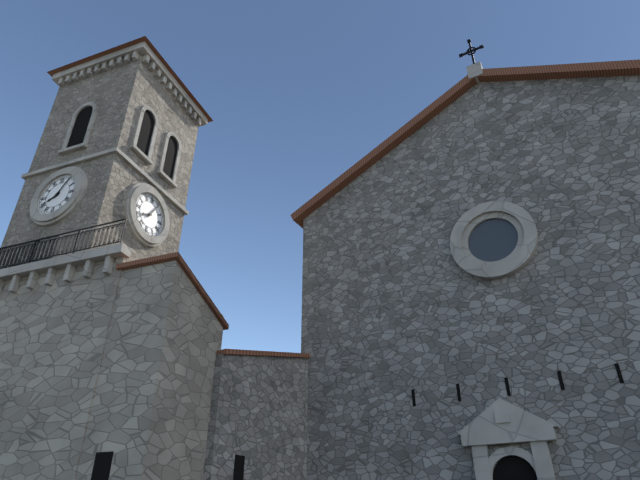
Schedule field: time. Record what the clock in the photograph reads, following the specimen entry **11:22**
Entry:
**8:05**
